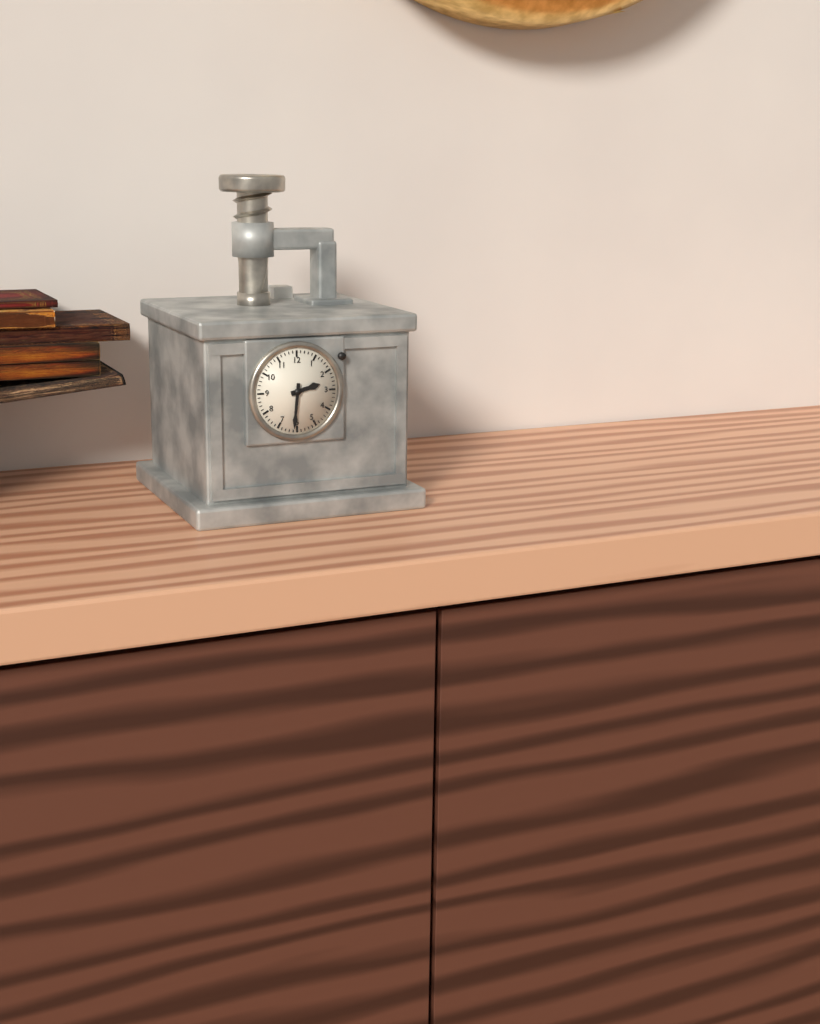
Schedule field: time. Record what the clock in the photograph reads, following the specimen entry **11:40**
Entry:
**2:31**
